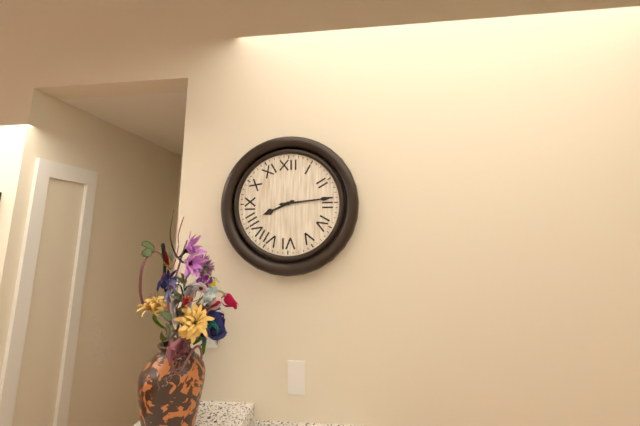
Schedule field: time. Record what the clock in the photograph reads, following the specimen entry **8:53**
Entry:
**8:14**
